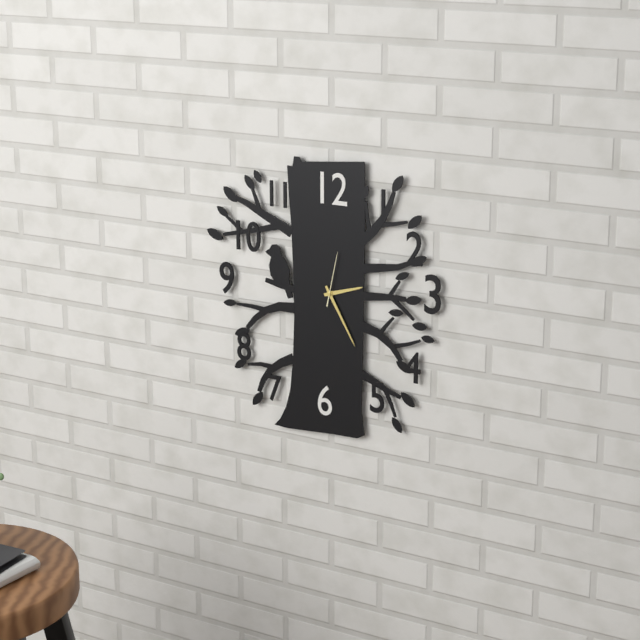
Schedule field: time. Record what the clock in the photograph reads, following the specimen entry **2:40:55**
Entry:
**2:25:02**
